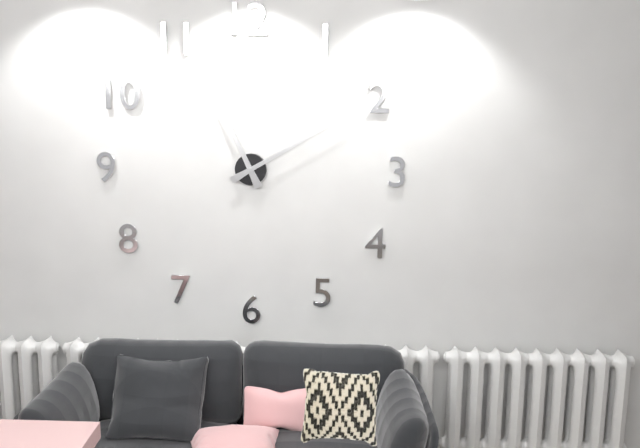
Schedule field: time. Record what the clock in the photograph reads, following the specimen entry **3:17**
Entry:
**11:10**
